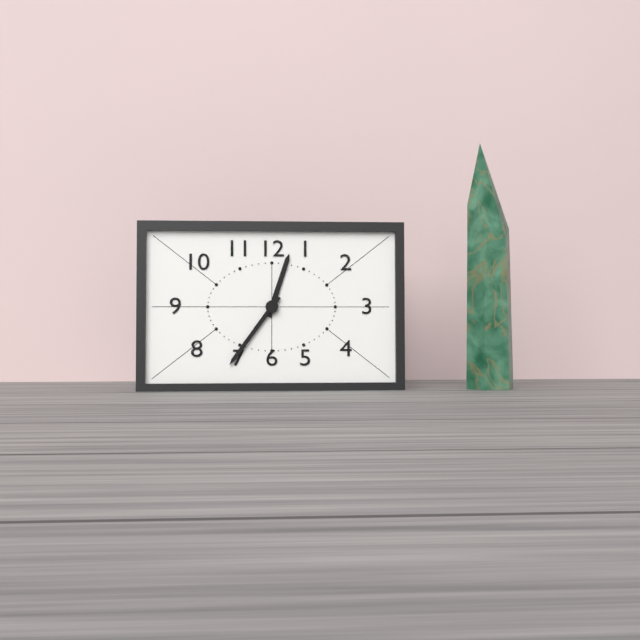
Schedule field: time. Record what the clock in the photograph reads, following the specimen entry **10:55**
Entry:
**12:36**
